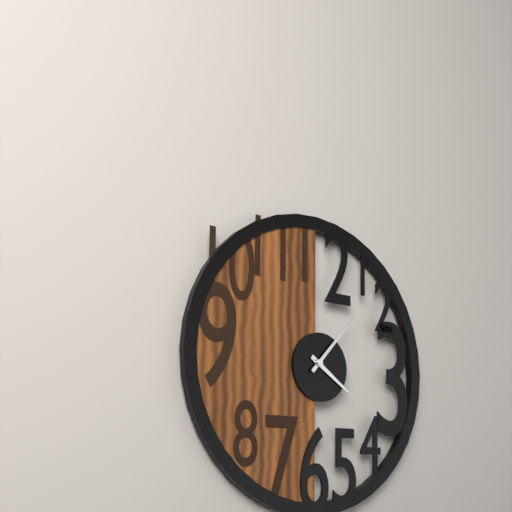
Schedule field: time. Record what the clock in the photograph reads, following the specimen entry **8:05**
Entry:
**4:07**
